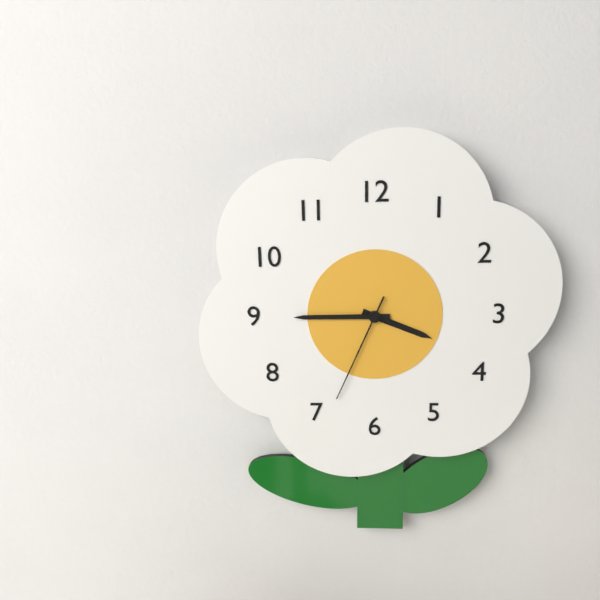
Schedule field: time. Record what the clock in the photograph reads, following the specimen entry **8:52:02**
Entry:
**3:45:34**
